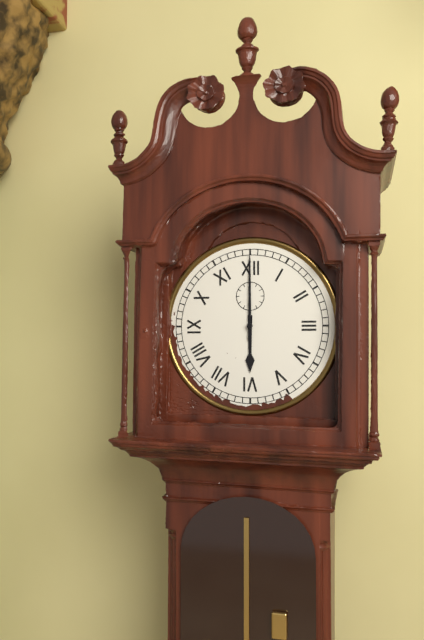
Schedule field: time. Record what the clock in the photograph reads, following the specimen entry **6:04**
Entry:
**6:00**
